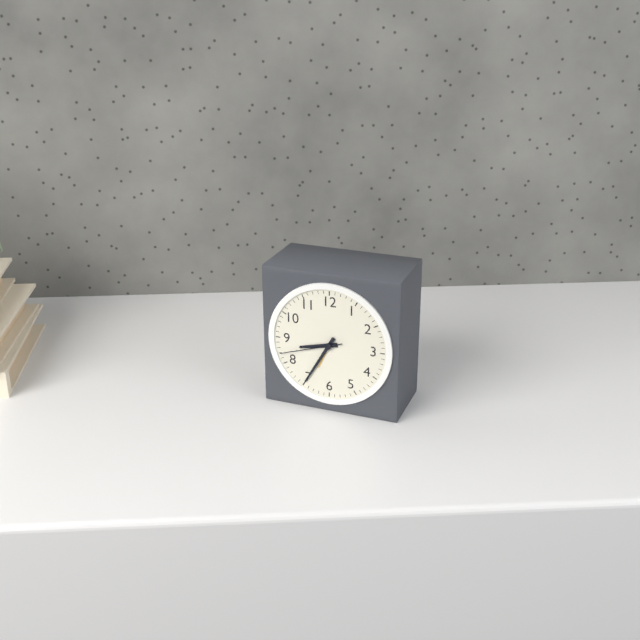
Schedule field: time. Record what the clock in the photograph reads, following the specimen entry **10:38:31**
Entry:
**8:35:42**
